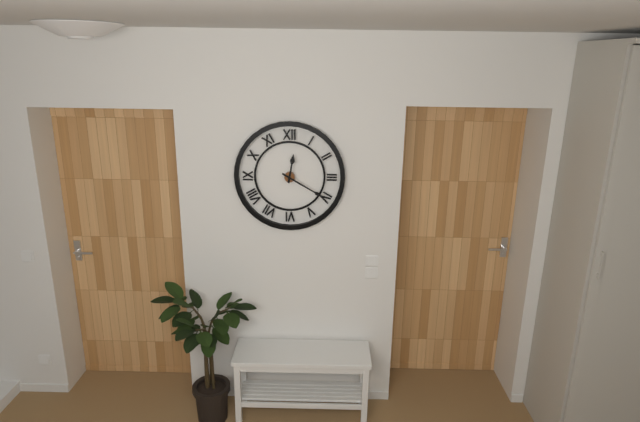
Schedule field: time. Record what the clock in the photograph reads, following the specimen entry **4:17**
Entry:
**12:20**
